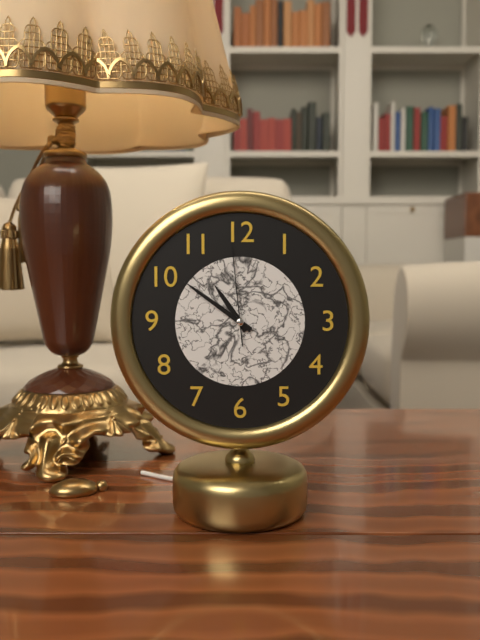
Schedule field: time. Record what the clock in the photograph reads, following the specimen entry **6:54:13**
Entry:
**10:51:59**
